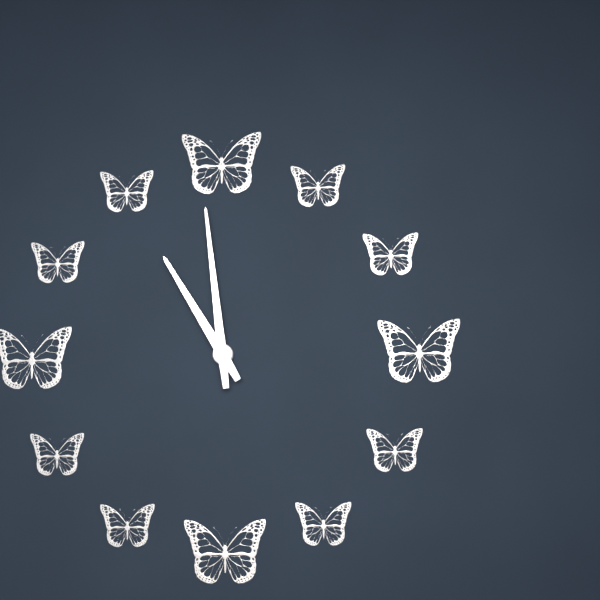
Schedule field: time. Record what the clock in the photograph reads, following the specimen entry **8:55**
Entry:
**10:59**
